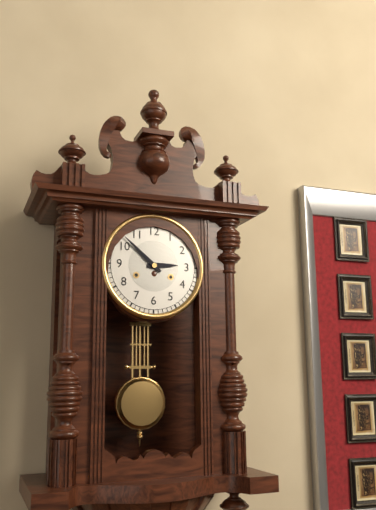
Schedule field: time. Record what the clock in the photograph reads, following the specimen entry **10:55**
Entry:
**2:52**
